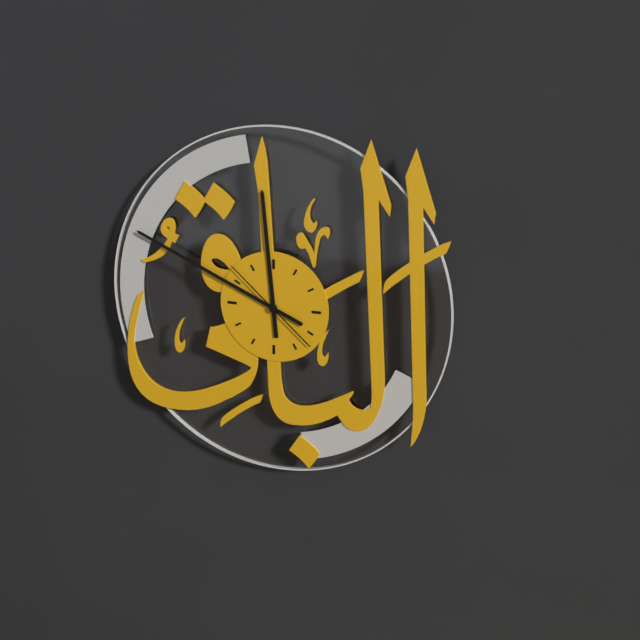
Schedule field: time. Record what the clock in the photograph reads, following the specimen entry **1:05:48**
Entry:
**11:49:52**
